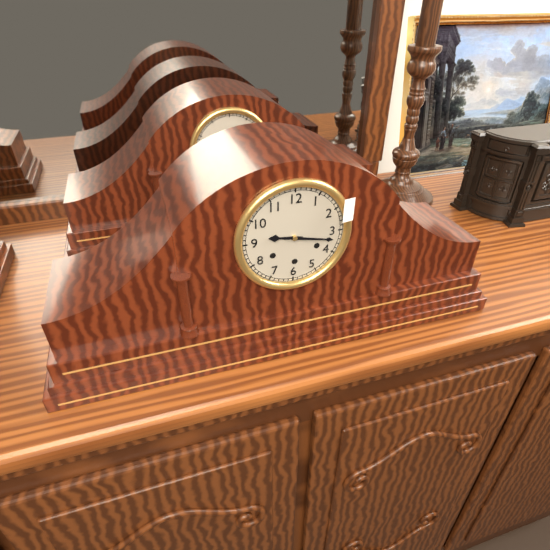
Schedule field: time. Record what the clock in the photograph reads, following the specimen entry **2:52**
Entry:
**9:17**
